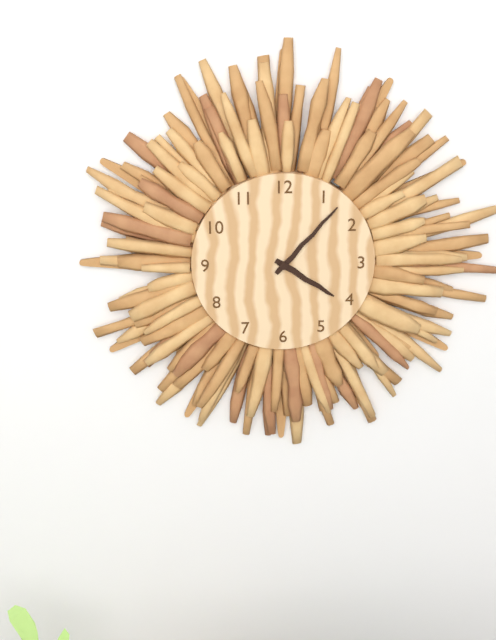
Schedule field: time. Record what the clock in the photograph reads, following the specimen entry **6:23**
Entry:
**4:07**
